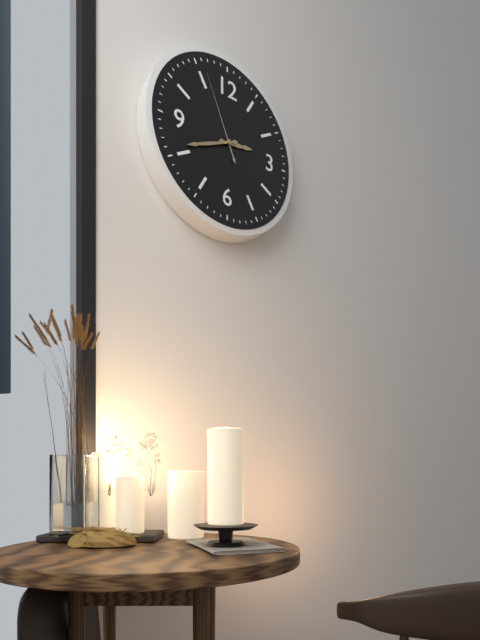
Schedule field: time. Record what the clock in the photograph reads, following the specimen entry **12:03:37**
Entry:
**2:41:56**
